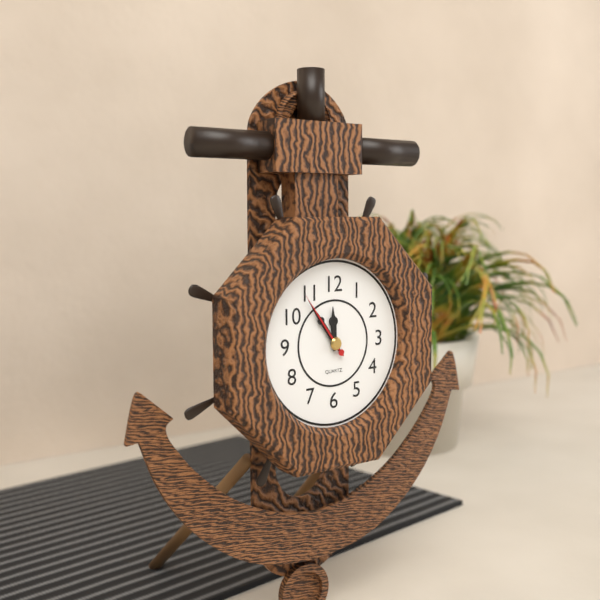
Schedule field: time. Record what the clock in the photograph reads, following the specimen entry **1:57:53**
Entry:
**11:54:54**
